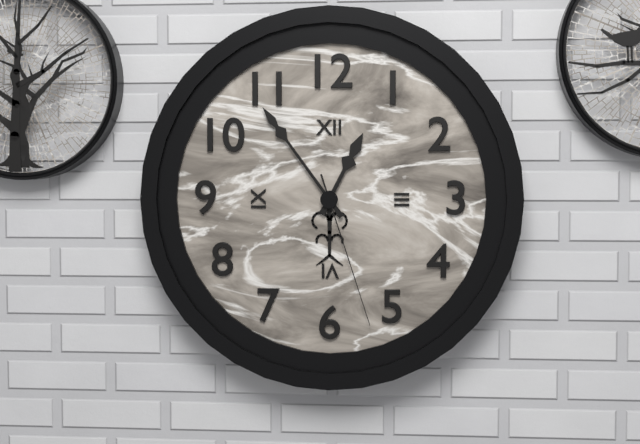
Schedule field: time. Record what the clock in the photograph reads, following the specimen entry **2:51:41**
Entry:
**12:54:27**
